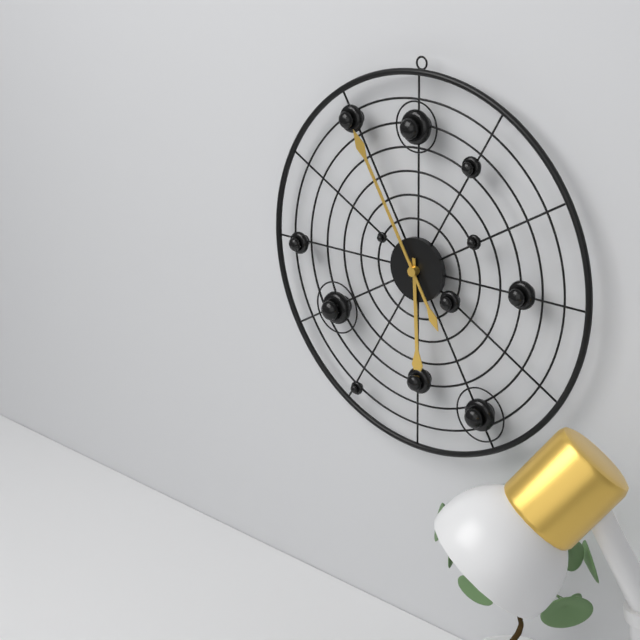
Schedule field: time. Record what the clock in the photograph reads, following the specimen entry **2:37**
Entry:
**5:55**
